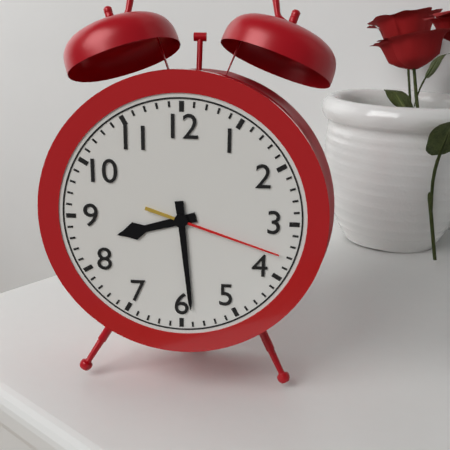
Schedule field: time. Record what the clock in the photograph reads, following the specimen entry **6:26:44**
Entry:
**8:29:18**
